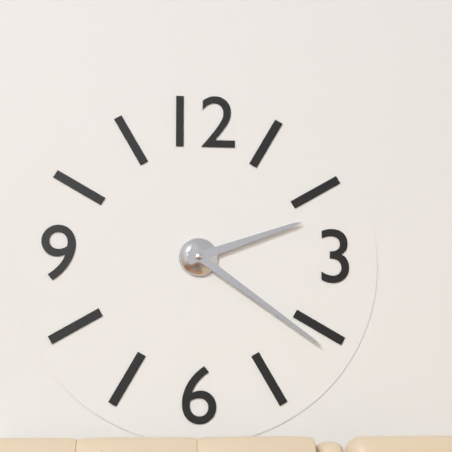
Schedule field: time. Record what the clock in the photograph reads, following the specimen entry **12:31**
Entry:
**2:21**
